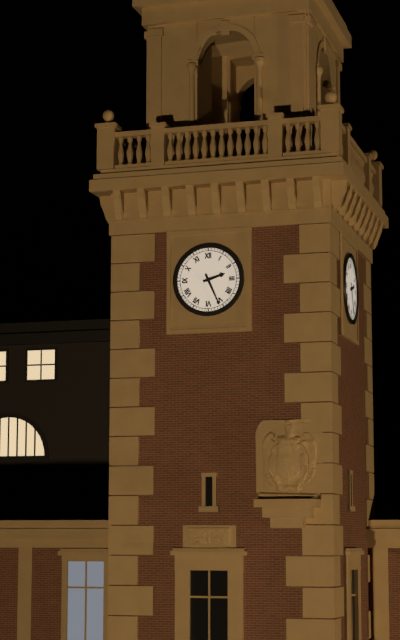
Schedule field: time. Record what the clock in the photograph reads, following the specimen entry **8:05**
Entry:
**2:26**
